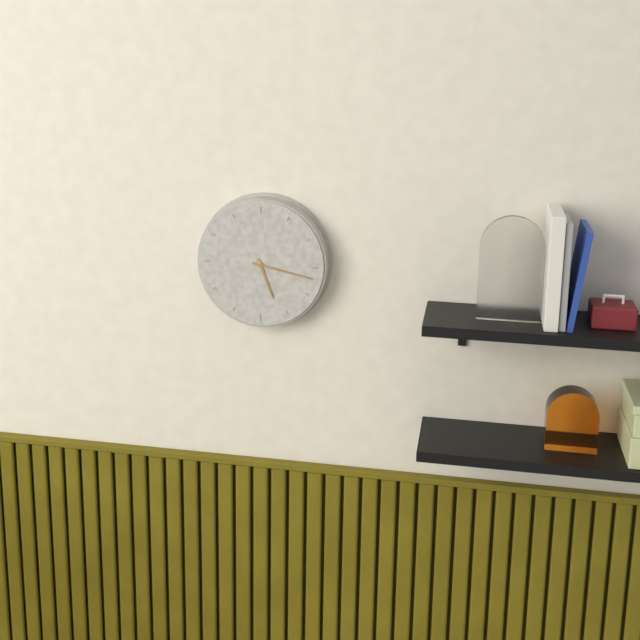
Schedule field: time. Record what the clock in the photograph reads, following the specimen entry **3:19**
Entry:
**5:17**
